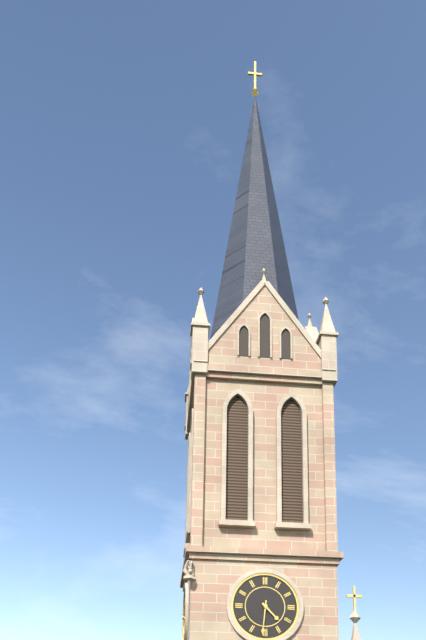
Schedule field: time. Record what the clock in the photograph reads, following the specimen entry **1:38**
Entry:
**4:31**
